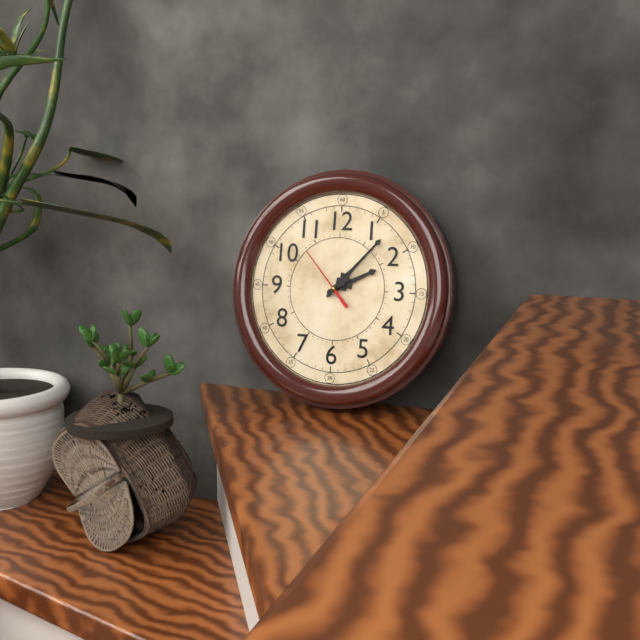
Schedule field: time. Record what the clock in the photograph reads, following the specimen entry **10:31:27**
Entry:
**2:07:53**
